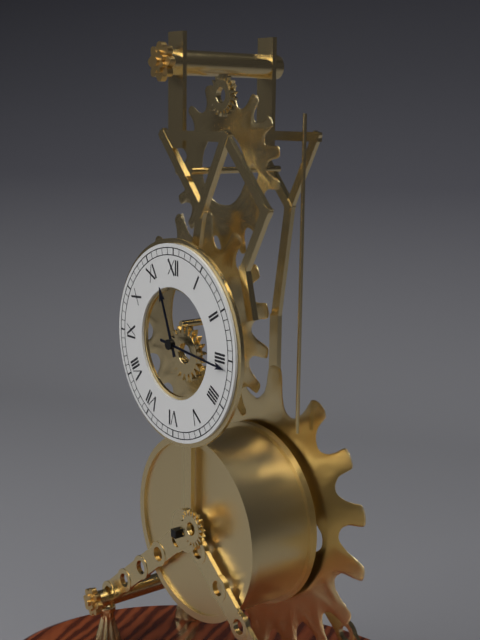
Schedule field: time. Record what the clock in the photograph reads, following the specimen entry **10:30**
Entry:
**11:16**
